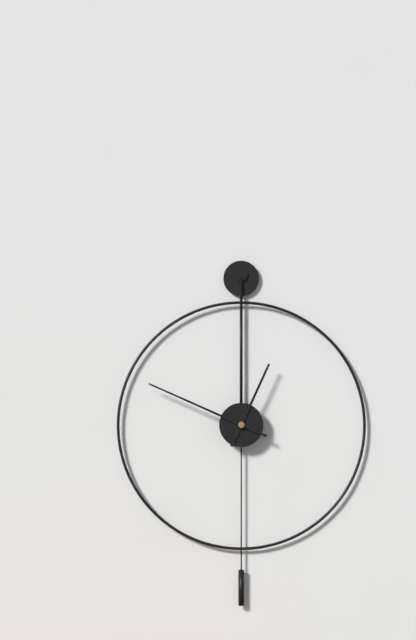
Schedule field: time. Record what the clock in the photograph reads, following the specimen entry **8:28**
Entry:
**12:49**
